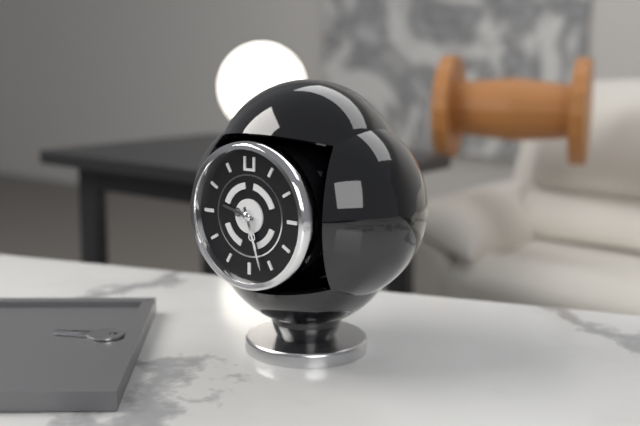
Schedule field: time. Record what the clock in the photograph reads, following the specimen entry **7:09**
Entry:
**9:27**
